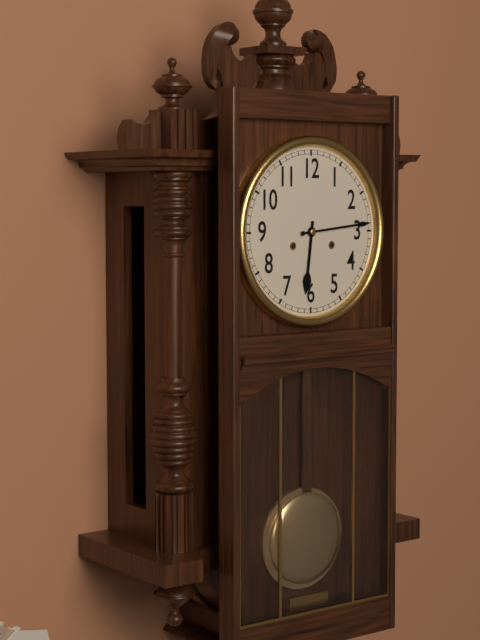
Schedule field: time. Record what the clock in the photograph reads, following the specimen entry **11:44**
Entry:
**6:14**
